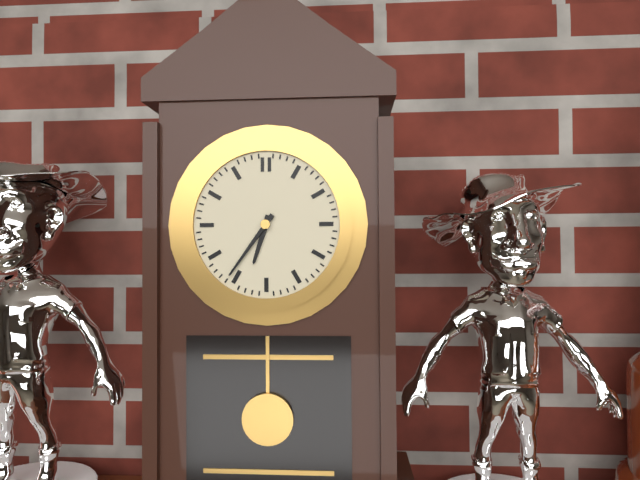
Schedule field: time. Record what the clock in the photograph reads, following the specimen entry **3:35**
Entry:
**6:36**
